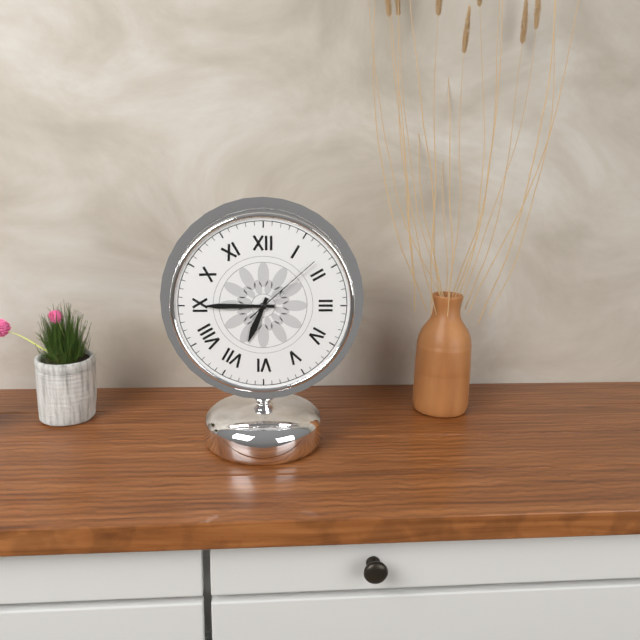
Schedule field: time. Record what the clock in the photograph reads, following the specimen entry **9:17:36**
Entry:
**6:45:08**
